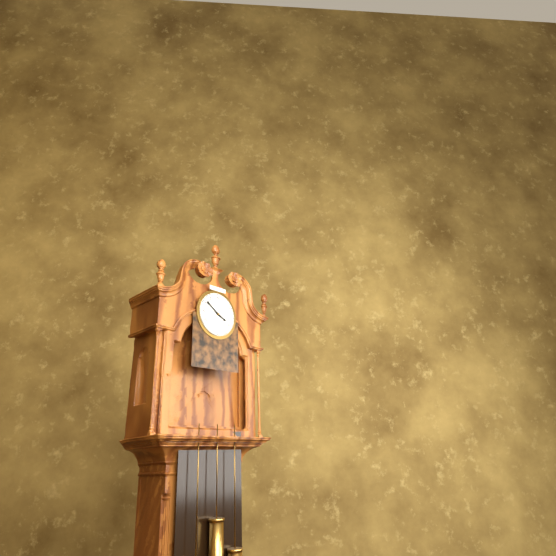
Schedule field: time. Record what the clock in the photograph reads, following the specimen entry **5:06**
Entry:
**3:51**
